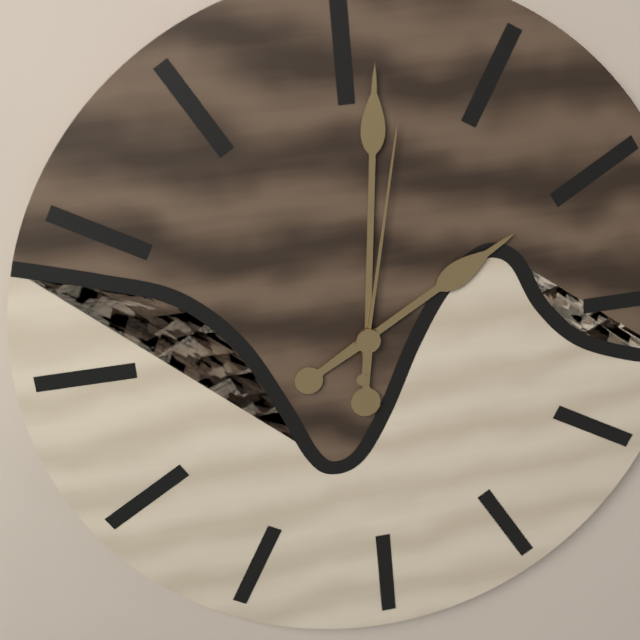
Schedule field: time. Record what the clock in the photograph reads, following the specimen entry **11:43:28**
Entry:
**2:01:02**
